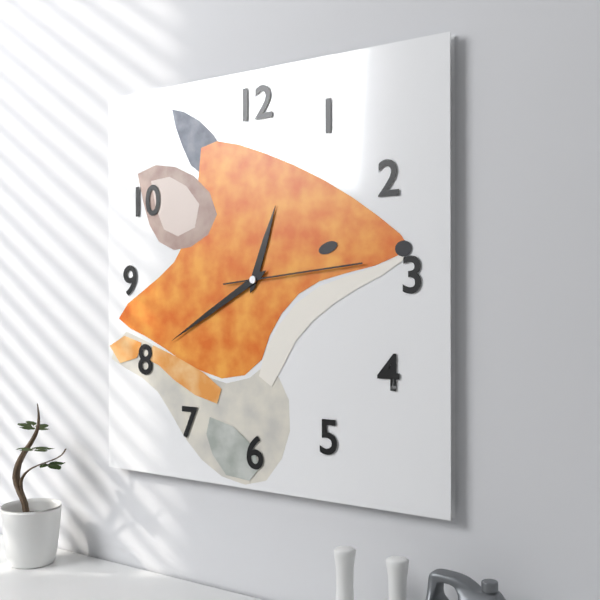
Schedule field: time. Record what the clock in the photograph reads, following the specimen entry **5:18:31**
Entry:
**12:40:14**
